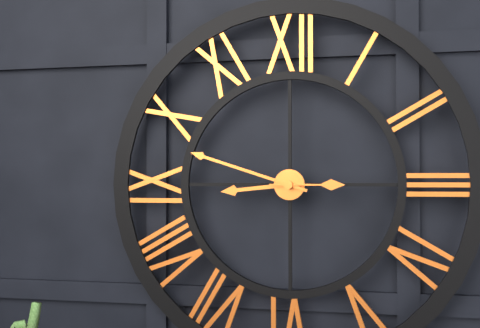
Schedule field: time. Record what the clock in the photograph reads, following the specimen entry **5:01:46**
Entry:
**8:48:15**
